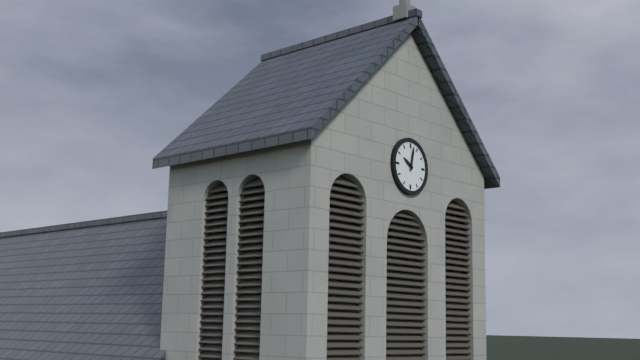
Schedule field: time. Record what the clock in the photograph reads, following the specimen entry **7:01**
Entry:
**10:02**
